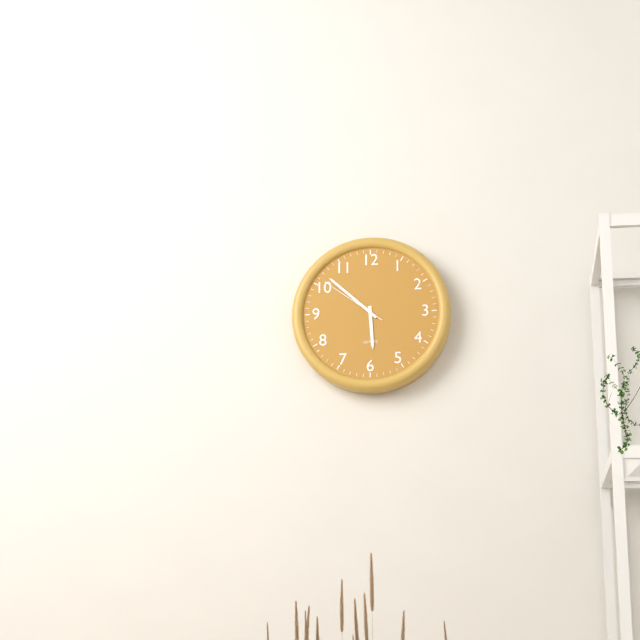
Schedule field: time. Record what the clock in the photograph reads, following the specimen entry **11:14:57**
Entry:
**5:52:51**
